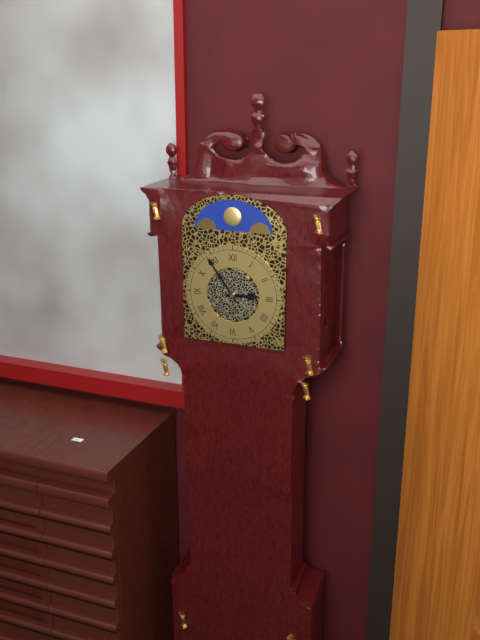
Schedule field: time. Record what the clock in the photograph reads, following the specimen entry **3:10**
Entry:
**2:54**
